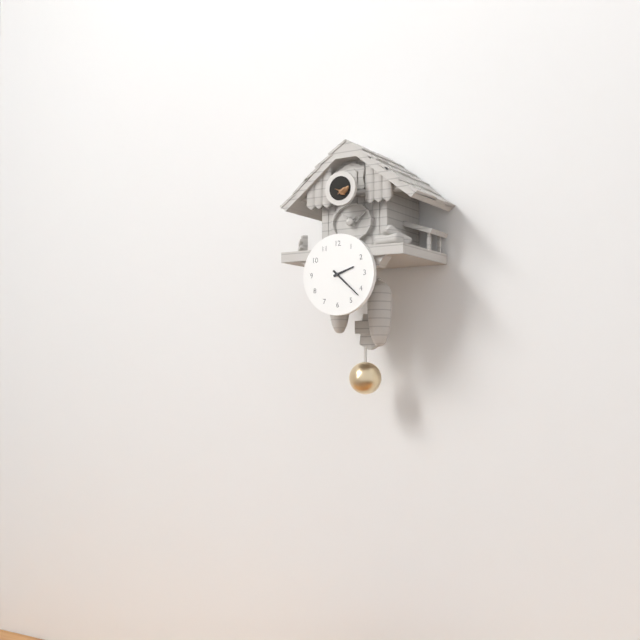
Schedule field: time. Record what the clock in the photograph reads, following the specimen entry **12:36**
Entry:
**2:22**
